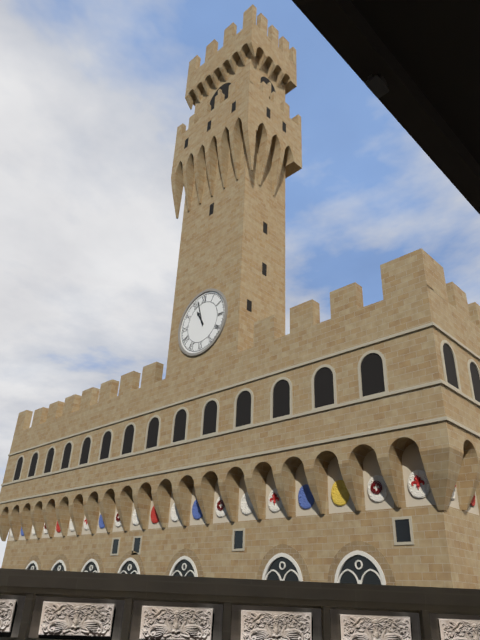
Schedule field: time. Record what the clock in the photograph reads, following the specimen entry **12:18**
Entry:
**10:57**
